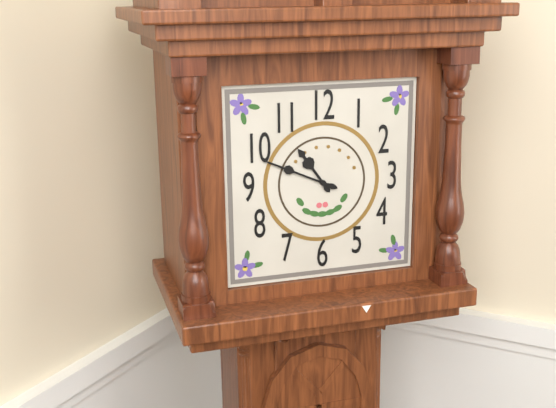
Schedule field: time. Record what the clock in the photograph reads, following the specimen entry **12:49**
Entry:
**10:49**
